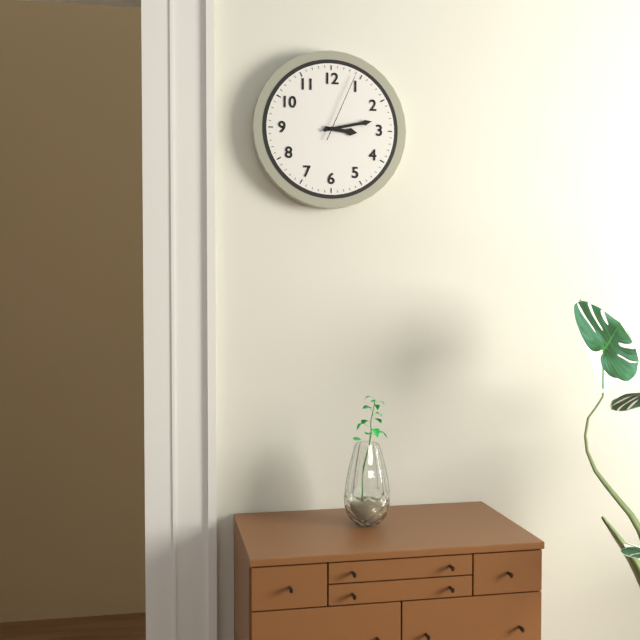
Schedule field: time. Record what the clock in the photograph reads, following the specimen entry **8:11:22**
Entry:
**3:13:04**
